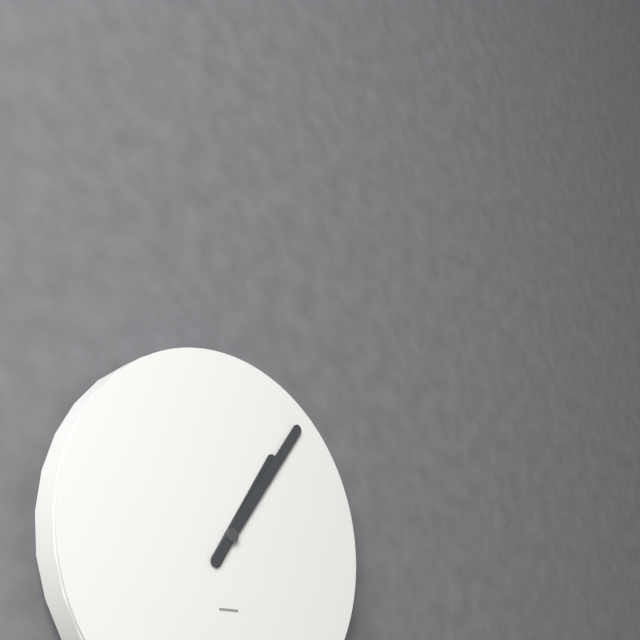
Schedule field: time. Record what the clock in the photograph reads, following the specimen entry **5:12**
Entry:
**1:06**
